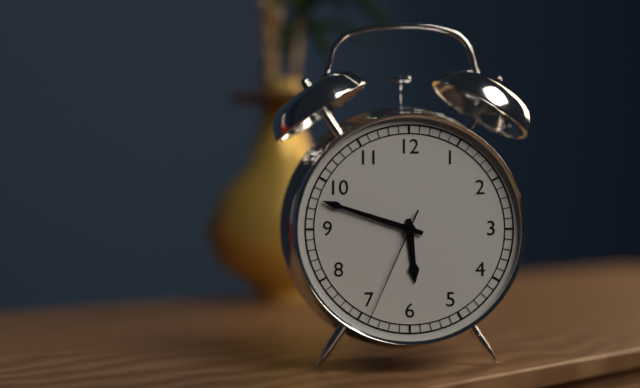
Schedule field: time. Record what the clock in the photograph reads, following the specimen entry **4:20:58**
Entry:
**5:48:34**
